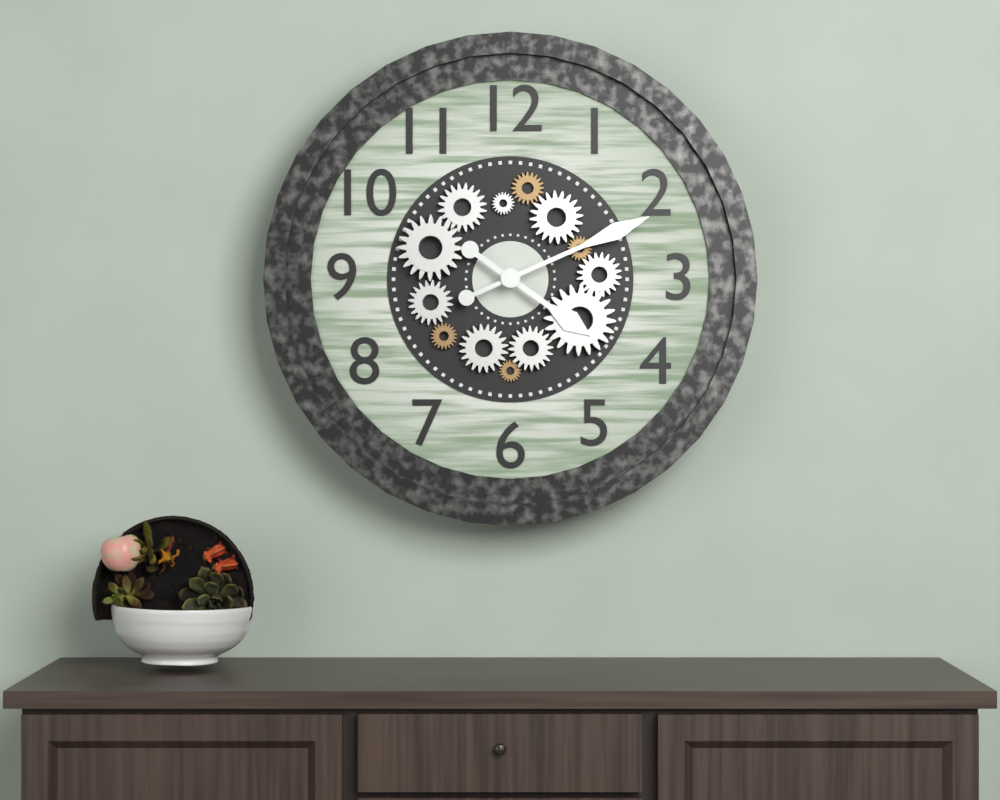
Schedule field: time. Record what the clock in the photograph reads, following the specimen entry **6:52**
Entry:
**4:11**
